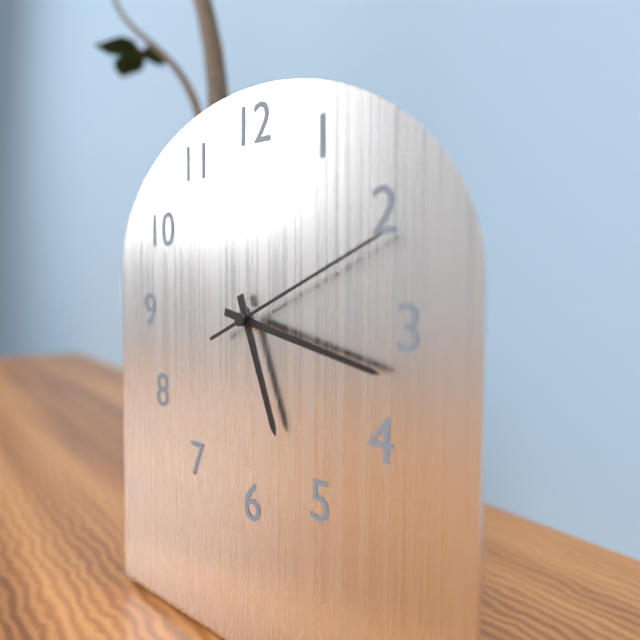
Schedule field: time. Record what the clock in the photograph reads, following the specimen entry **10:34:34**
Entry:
**5:17:11**
